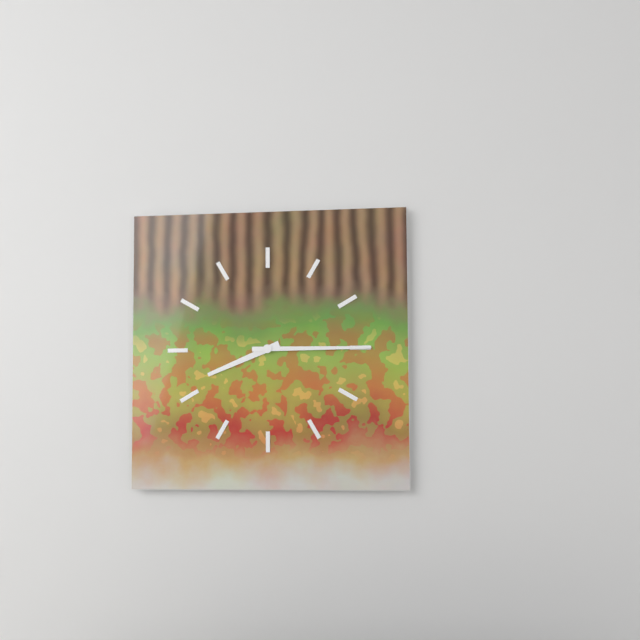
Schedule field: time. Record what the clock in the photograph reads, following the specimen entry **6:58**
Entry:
**8:15**
